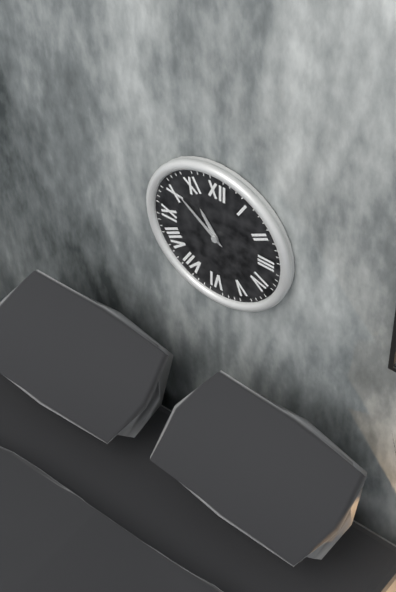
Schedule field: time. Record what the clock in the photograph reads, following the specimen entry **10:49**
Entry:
**10:51**
